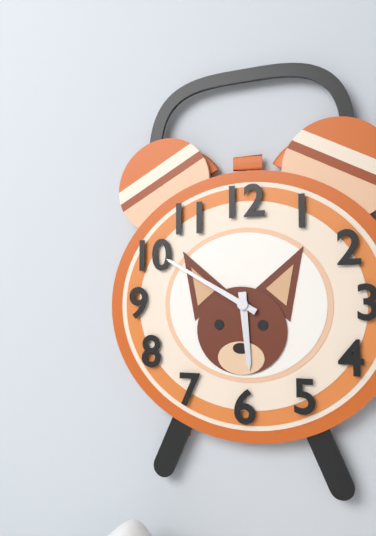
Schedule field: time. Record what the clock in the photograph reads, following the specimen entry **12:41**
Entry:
**5:50**
